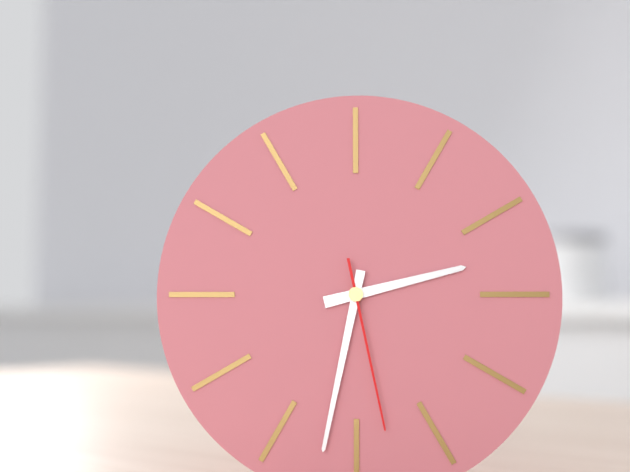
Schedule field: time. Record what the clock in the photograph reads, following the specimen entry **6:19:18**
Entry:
**2:32:28**
